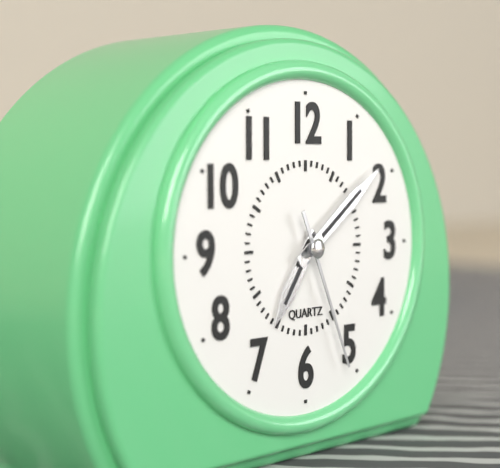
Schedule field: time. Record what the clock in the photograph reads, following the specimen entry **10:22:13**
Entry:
**7:09:26**
